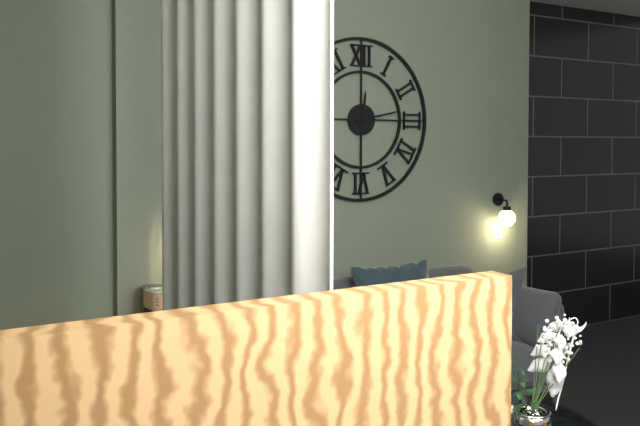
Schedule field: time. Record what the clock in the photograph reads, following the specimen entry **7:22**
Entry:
**12:13**
